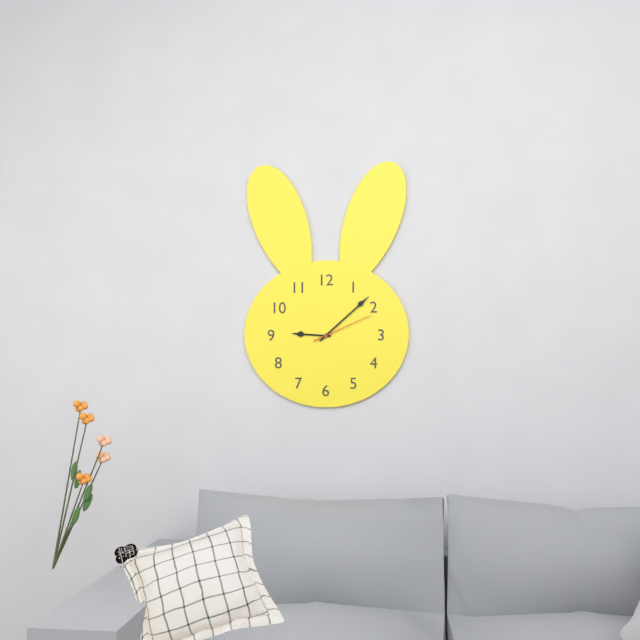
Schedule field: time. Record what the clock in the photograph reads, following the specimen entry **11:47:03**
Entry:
**9:08:11**
